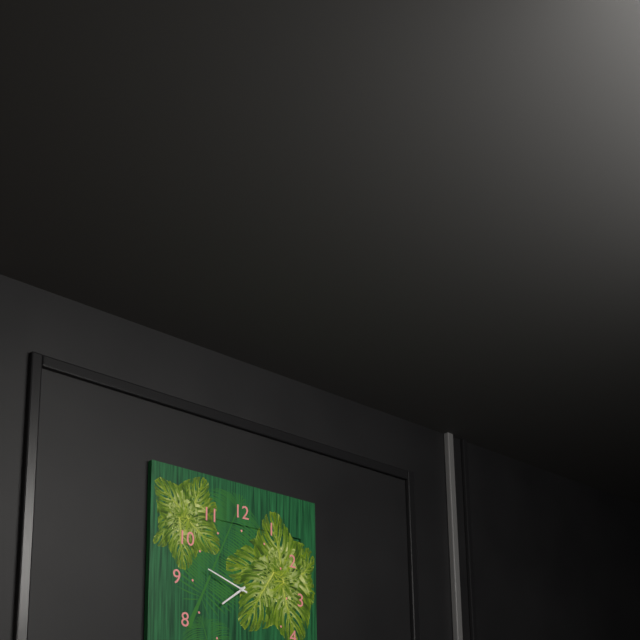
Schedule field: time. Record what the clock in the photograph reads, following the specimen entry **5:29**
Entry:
**7:48**
